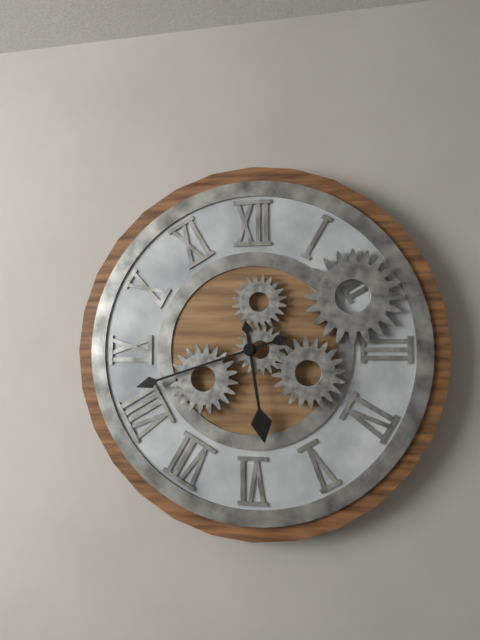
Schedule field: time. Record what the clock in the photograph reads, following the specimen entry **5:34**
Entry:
**5:42**
